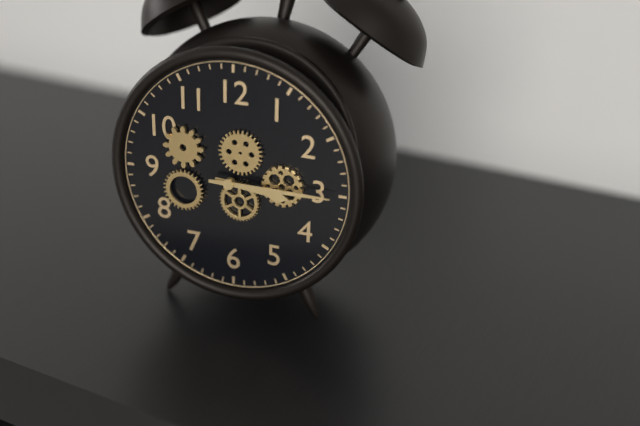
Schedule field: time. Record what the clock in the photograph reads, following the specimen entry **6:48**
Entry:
**3:15**
